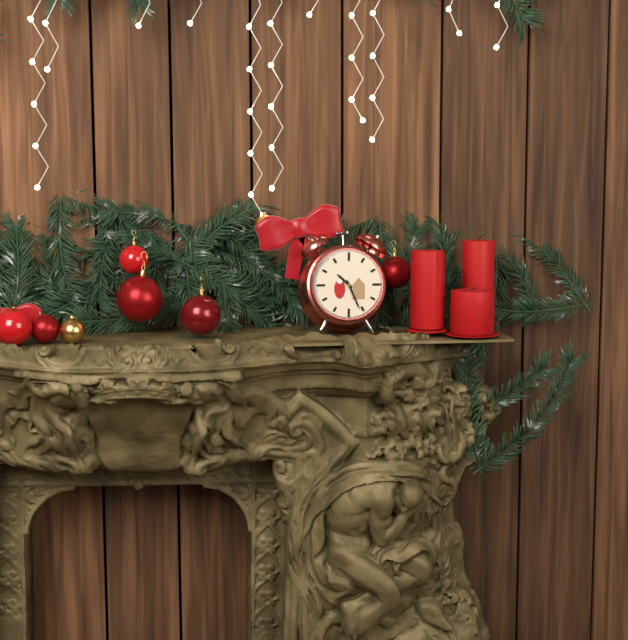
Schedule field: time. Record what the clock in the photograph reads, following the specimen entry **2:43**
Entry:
**10:26**
